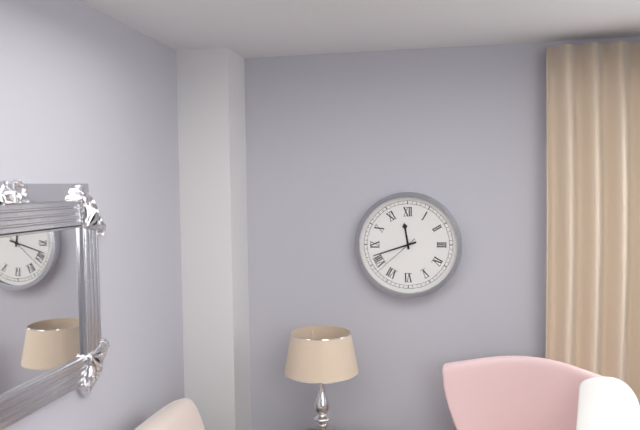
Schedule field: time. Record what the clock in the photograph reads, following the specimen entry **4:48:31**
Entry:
**11:42:38**
